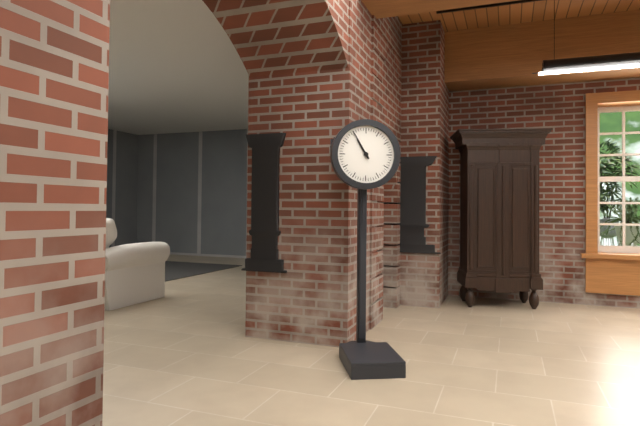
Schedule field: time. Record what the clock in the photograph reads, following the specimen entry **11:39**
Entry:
**10:55**
